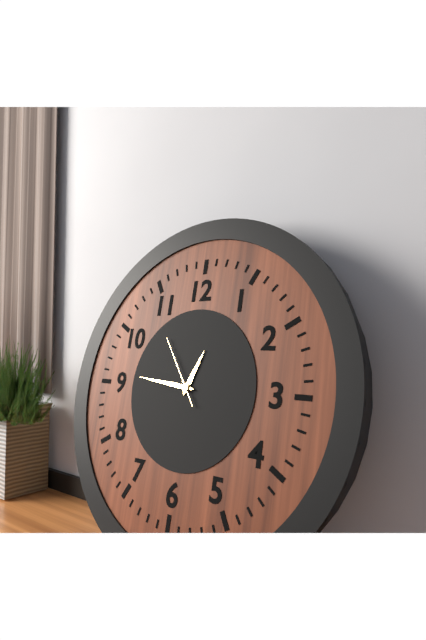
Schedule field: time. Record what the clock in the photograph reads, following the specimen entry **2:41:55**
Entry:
**12:46:54**
